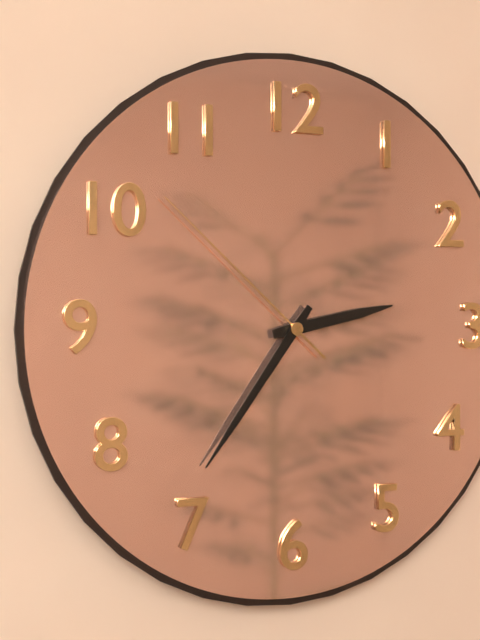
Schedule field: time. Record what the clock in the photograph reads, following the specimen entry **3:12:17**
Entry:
**2:36:52**
